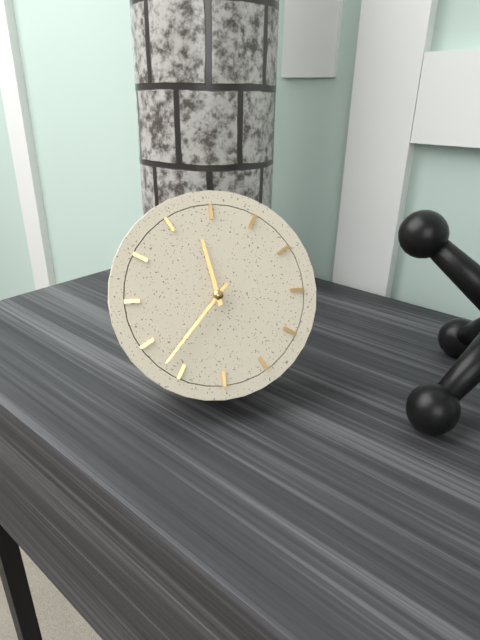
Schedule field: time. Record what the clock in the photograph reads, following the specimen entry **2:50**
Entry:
**11:37**
